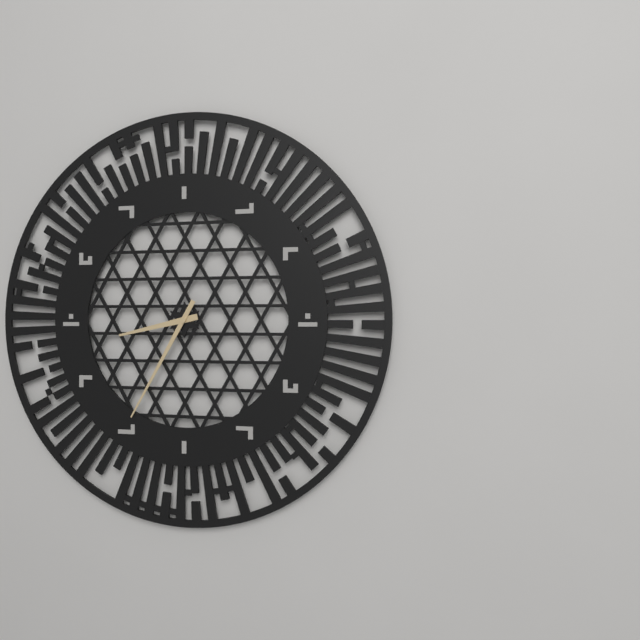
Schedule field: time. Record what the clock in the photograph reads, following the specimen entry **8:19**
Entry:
**8:35**
